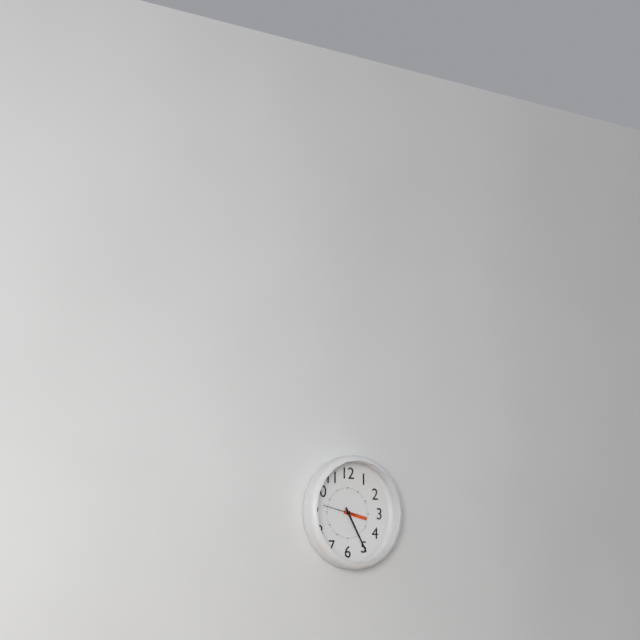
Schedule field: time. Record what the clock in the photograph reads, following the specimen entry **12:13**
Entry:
**3:25**
